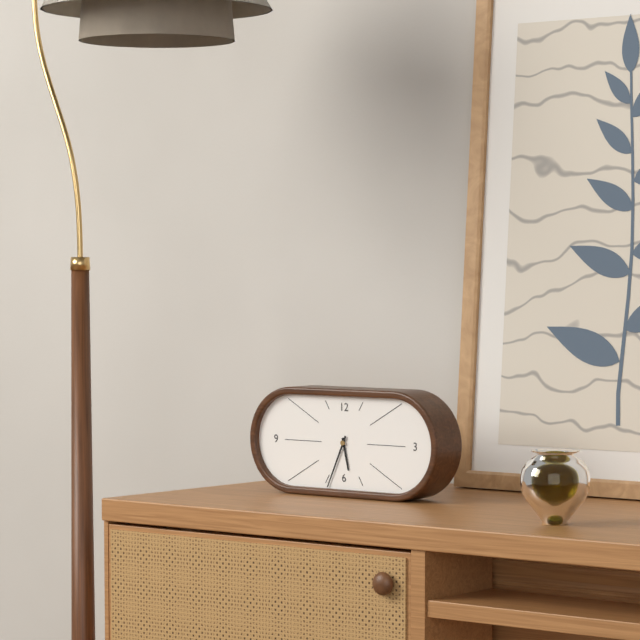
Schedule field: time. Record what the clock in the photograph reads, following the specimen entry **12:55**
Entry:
**5:34**
